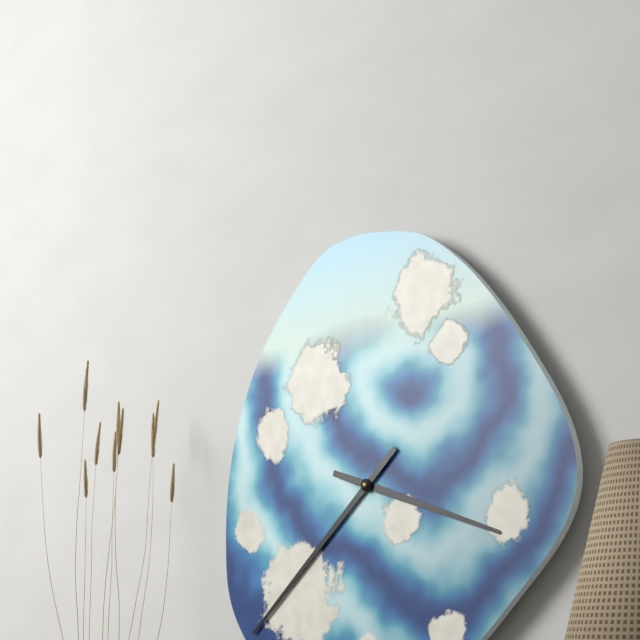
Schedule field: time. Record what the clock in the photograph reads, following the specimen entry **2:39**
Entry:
**3:38**
